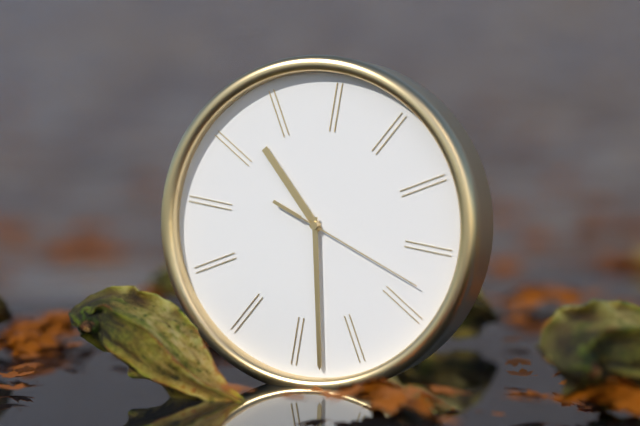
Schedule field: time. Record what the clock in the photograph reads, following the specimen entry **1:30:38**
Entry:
**10:28:18**
